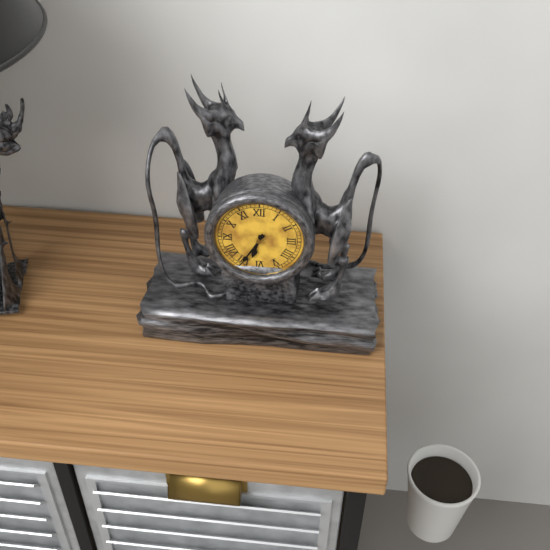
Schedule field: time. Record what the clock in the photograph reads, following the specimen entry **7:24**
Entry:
**6:35**
